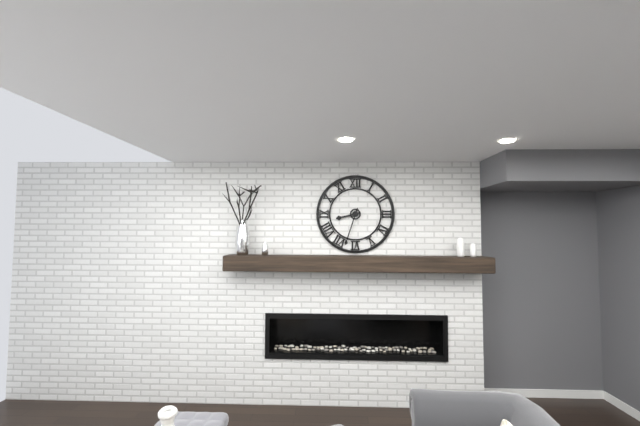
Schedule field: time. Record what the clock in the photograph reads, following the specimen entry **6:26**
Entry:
**8:33**
